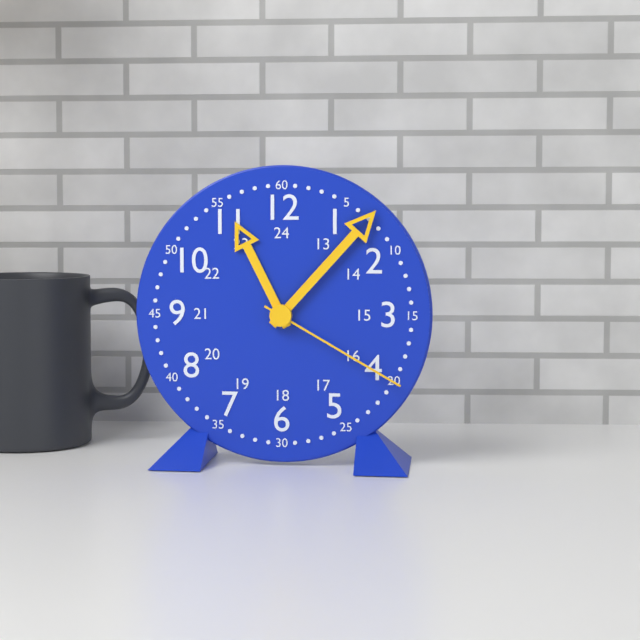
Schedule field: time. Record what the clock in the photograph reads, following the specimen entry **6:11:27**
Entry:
**11:07:20**
